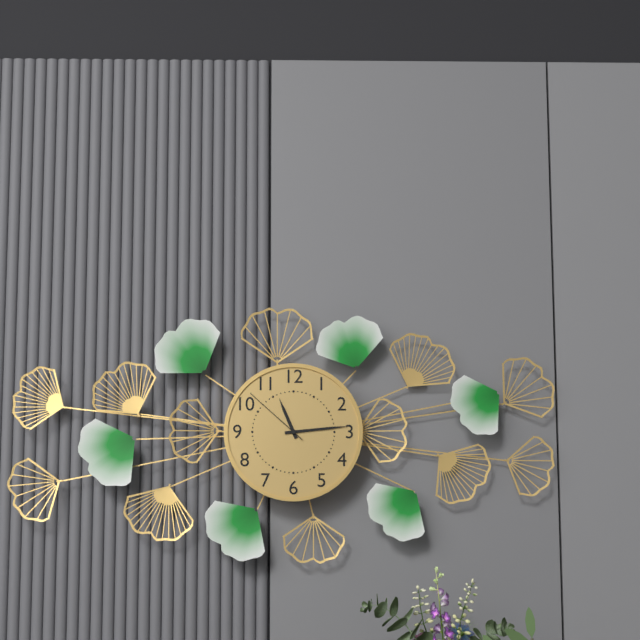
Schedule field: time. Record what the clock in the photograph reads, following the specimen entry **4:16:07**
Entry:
**11:14:52**
